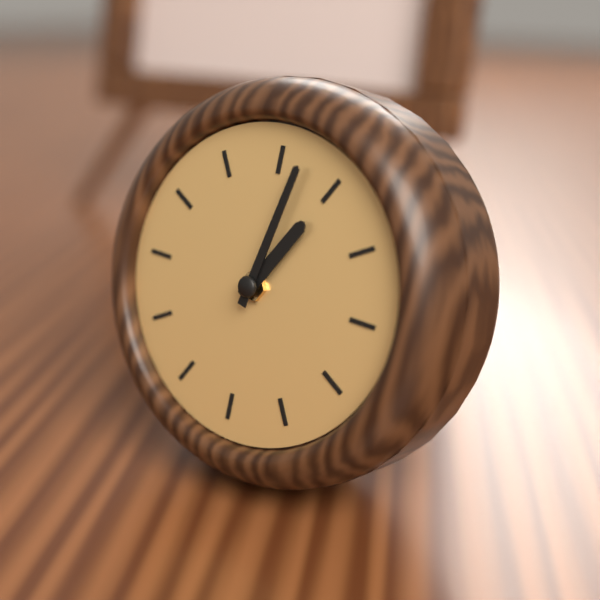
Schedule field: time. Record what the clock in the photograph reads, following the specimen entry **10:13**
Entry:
**1:02**
